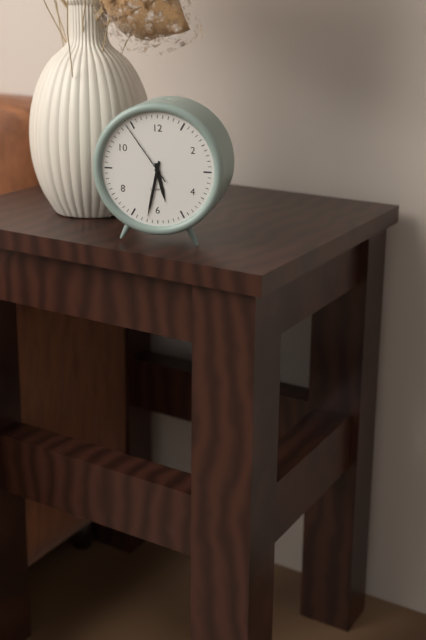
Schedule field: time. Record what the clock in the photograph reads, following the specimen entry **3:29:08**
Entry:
**5:32:54**
